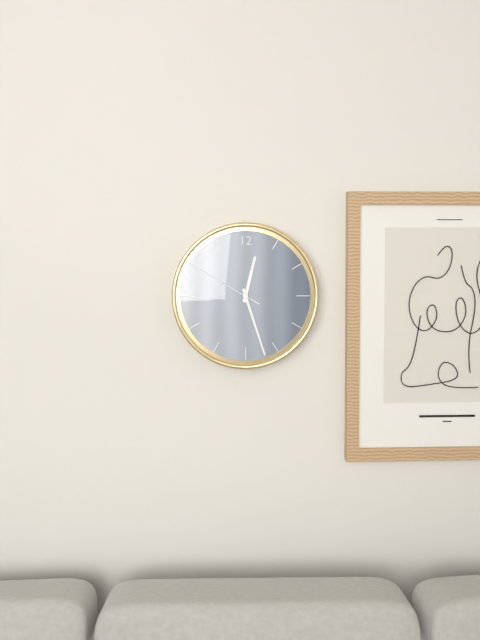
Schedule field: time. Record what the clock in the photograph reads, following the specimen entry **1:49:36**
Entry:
**12:27:50**
